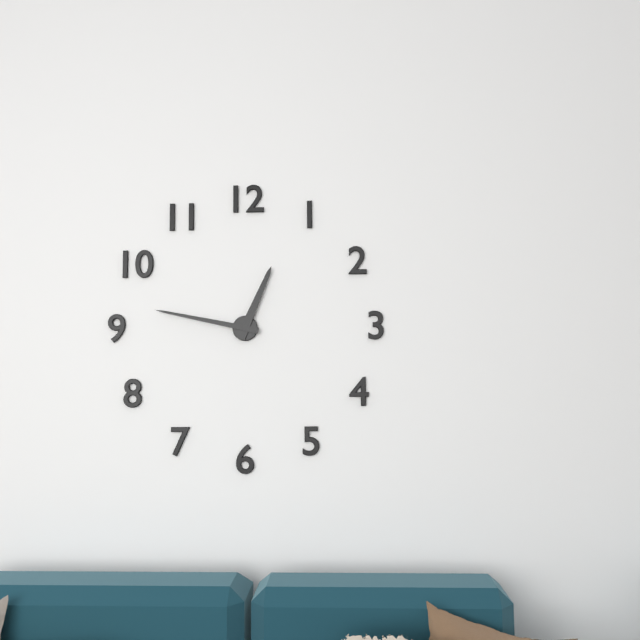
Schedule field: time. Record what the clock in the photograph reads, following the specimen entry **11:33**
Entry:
**12:47**
